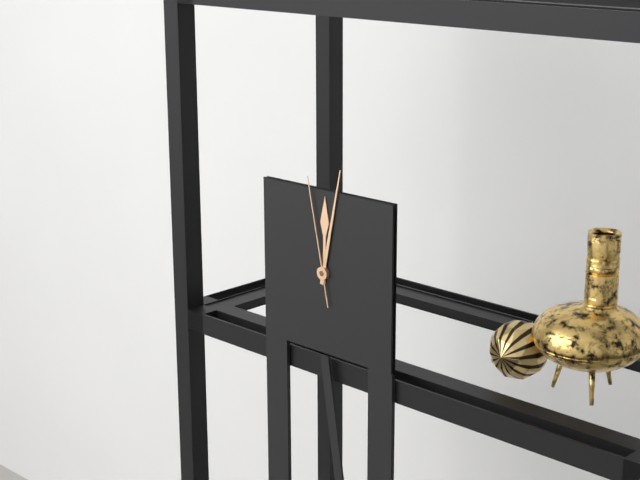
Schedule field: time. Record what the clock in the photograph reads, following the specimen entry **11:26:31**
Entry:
**12:02:58**
